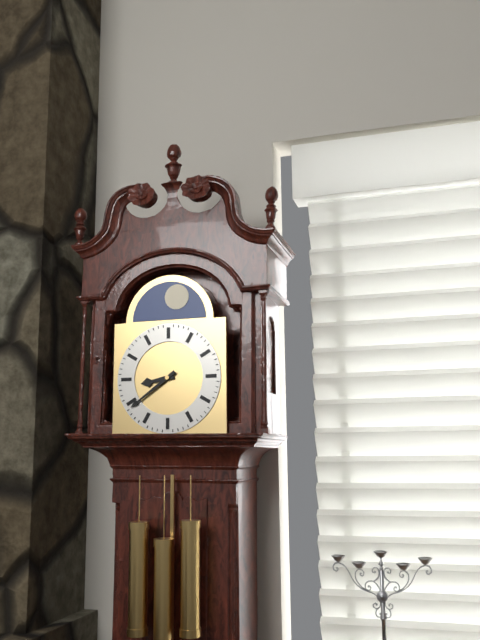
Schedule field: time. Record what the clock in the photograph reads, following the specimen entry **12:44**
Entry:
**8:39**
